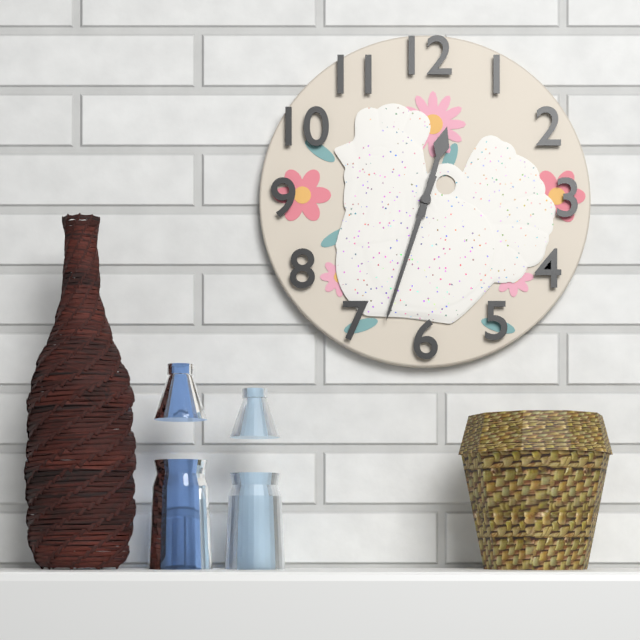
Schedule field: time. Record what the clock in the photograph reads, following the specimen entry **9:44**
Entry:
**12:33**
